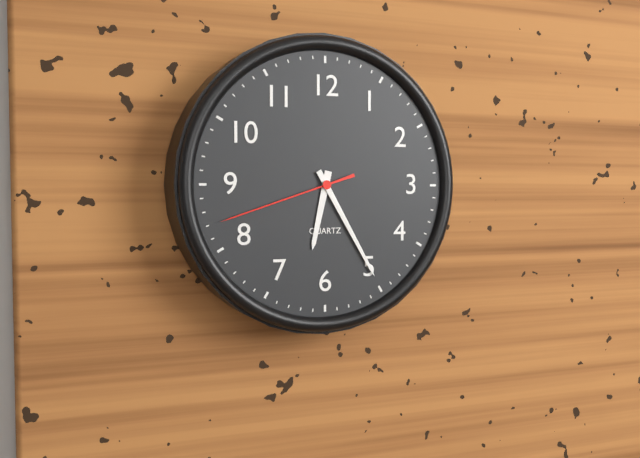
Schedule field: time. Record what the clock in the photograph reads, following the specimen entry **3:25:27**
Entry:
**6:25:42**
